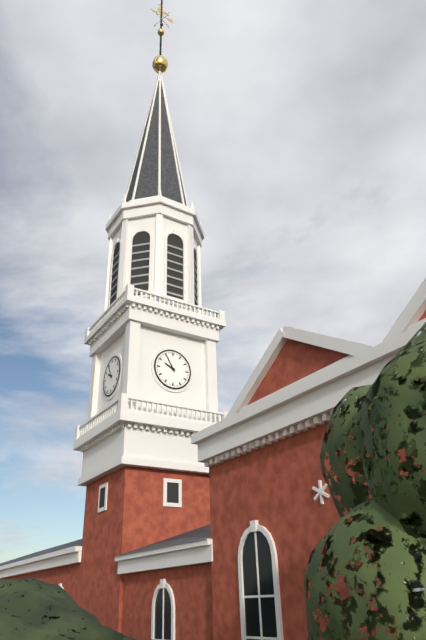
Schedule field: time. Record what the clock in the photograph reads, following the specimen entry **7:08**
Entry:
**9:55**
